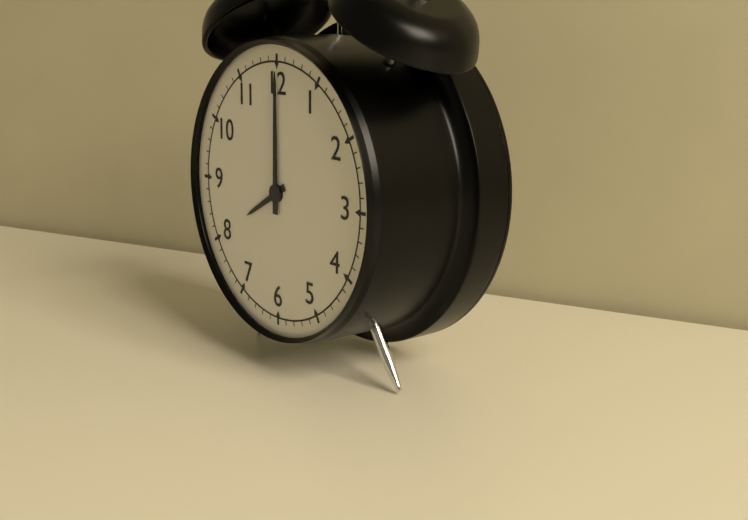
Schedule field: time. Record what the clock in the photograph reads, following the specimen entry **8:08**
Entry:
**8:00**
